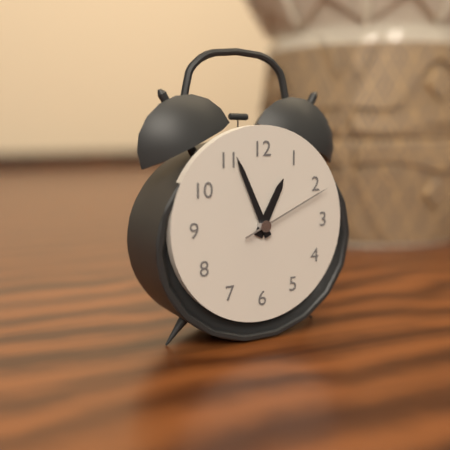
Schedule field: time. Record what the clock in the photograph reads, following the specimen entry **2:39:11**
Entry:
**12:56:11**
